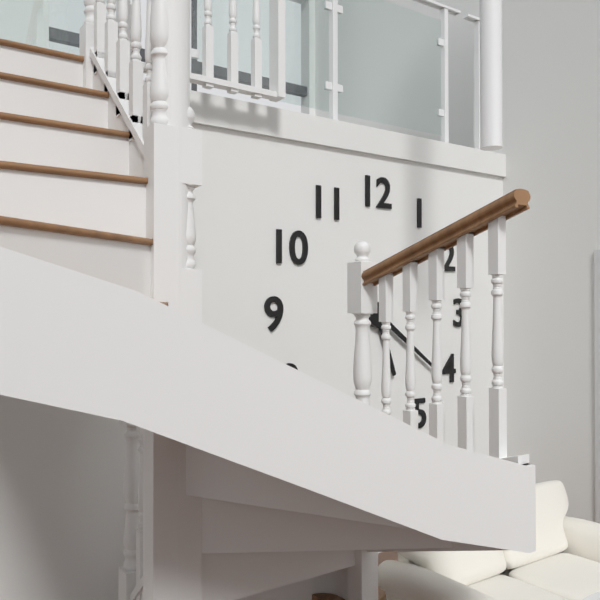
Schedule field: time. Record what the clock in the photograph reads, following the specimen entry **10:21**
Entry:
**5:21**
